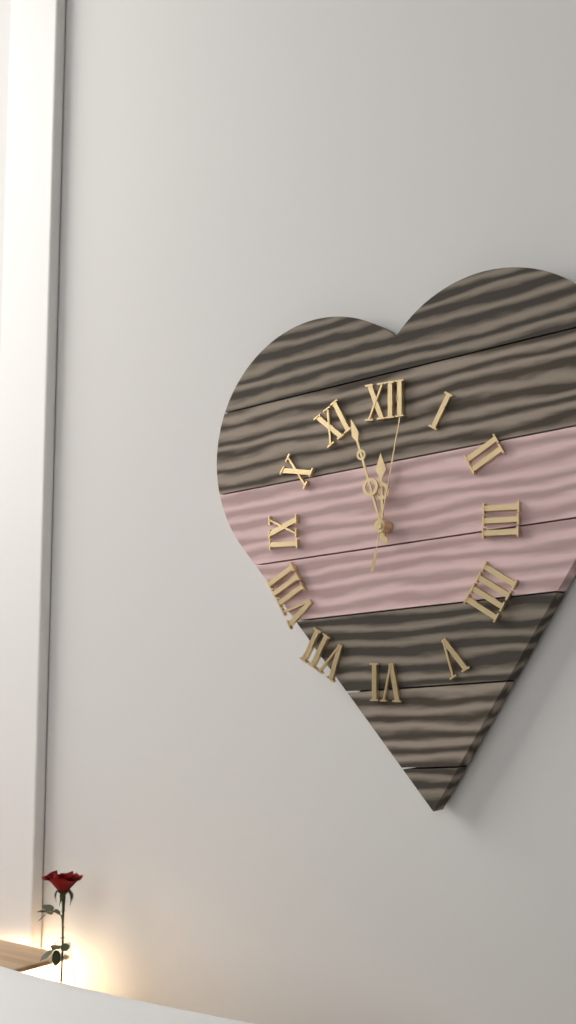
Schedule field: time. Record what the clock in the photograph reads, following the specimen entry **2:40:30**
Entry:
**11:57:02**
